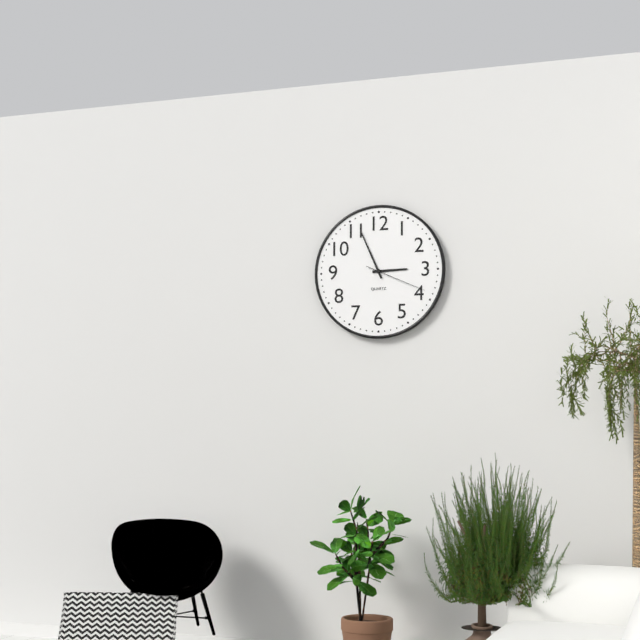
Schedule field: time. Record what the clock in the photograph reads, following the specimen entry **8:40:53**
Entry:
**2:56:19**
